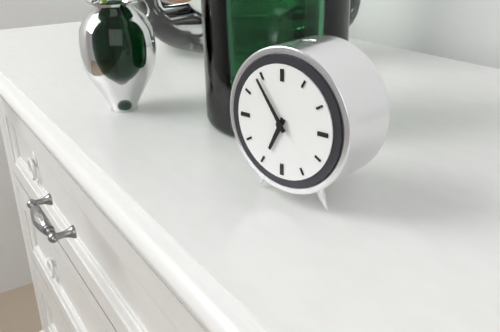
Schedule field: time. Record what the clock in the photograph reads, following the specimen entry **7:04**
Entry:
**6:54**
